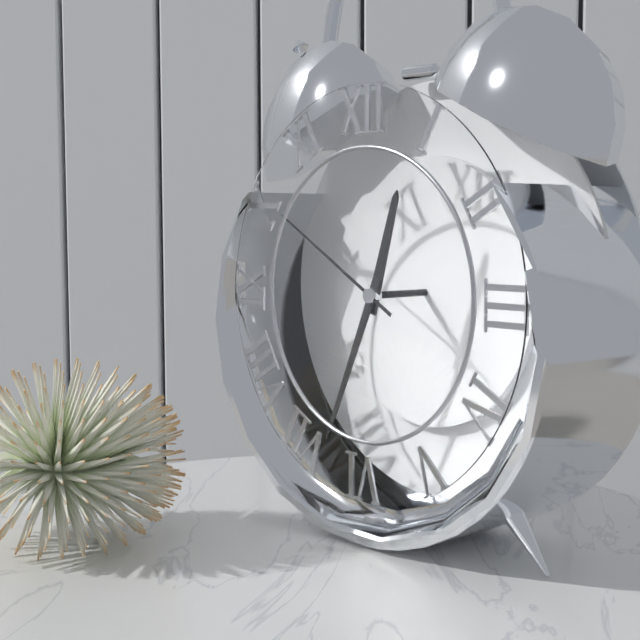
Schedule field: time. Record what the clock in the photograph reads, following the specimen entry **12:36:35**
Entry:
**12:34:50**
